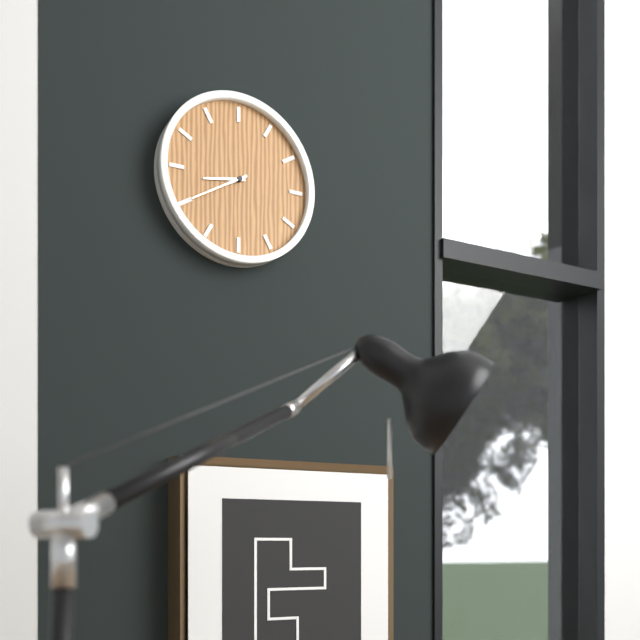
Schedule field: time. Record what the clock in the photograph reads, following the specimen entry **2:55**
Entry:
**8:40**
